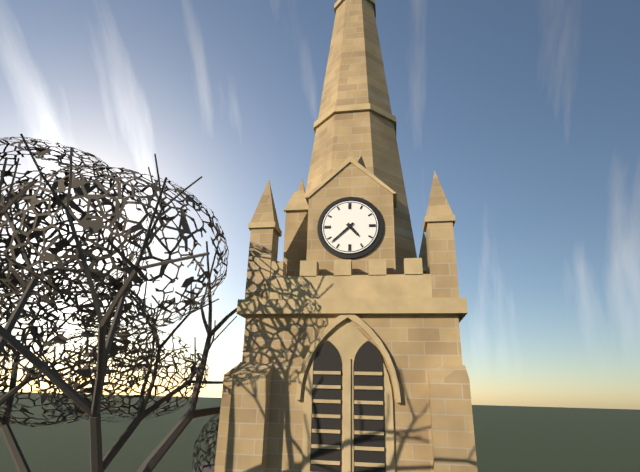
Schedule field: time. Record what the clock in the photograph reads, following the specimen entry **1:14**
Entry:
**4:38**
